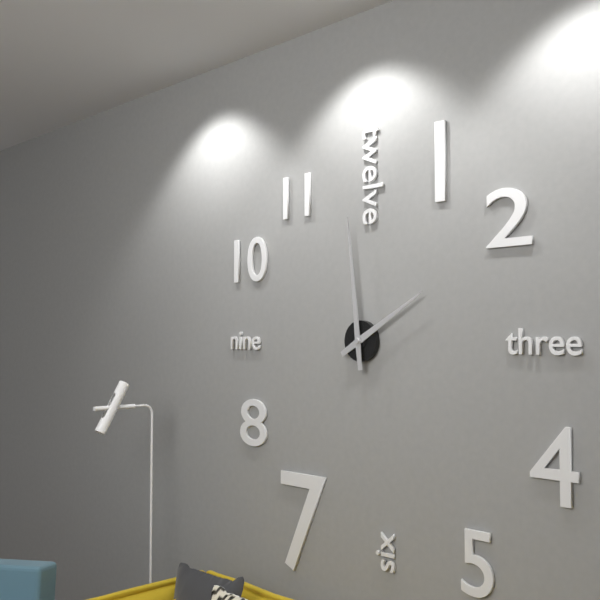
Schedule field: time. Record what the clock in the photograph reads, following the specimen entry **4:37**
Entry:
**1:59**
